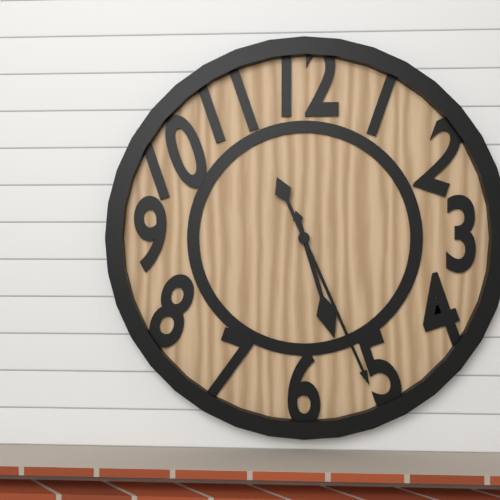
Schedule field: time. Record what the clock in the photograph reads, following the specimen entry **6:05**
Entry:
**5:26**
